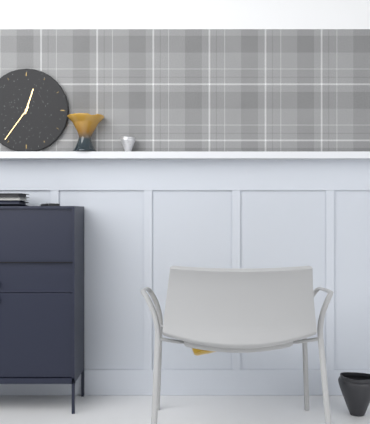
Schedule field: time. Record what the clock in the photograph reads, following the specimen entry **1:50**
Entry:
**12:36**
